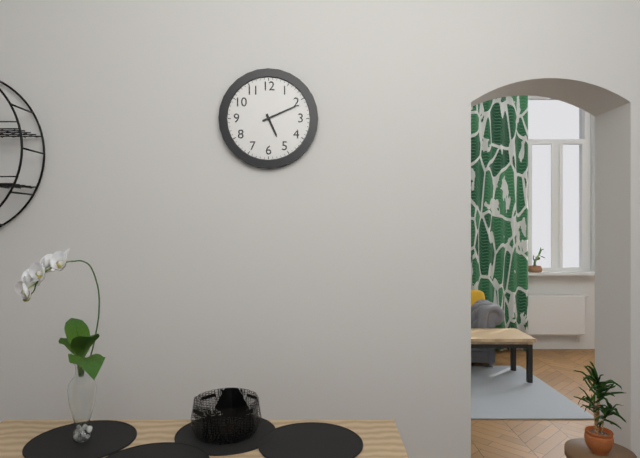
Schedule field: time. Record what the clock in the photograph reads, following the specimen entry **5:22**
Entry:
**5:11**
